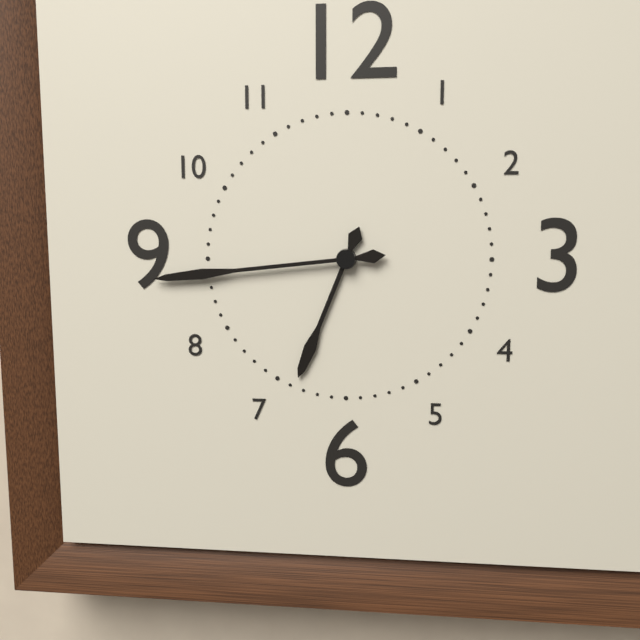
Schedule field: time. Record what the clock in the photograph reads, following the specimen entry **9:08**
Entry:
**6:44**
